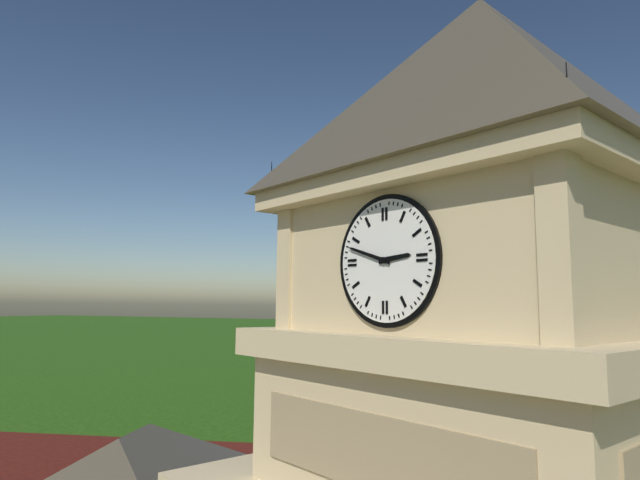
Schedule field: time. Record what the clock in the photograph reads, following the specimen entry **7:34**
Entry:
**2:48**
